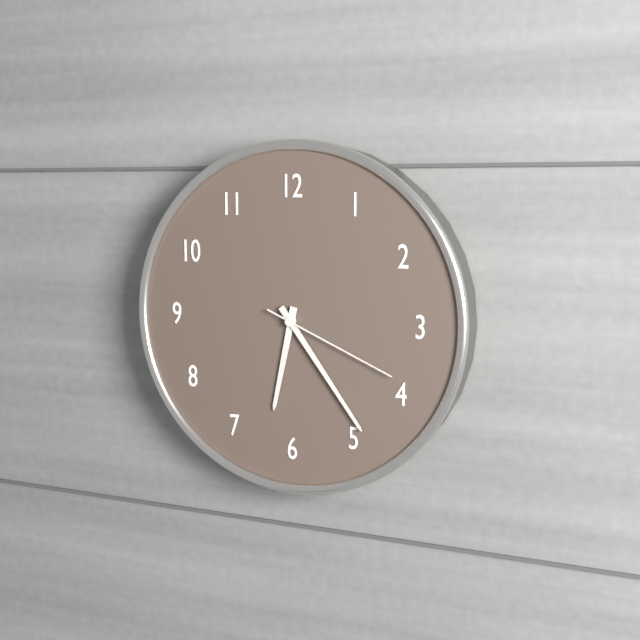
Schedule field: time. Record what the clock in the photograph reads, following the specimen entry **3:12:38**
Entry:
**6:24:19**
